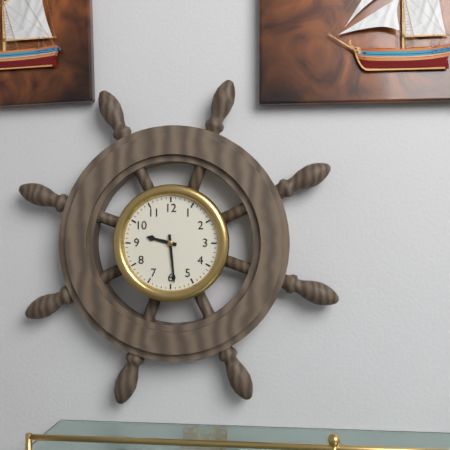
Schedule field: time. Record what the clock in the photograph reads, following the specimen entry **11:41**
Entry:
**9:29**
